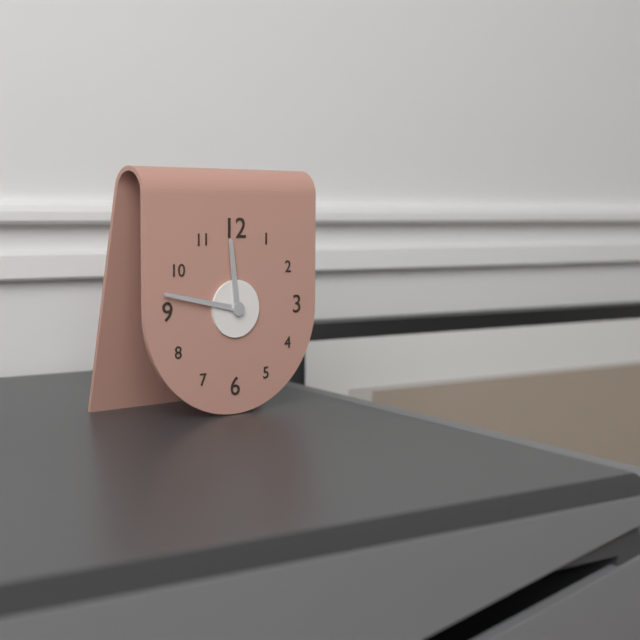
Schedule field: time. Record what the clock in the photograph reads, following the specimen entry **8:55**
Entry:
**11:47**
